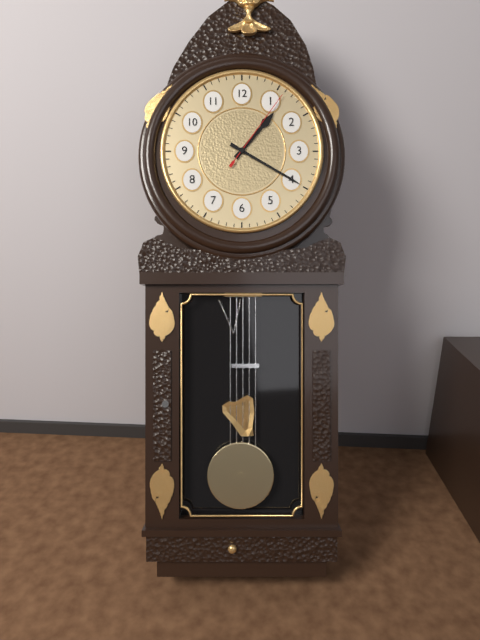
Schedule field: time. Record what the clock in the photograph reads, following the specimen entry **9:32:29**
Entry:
**1:20:06**
